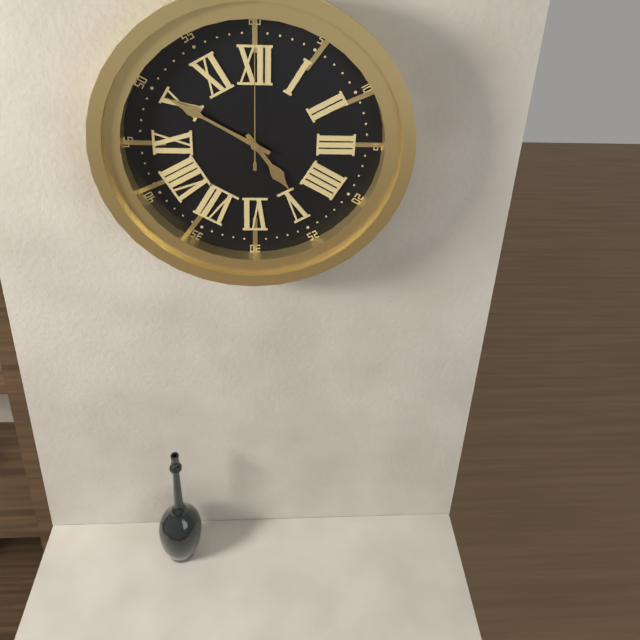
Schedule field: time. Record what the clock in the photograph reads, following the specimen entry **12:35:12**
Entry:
**4:50:00**
